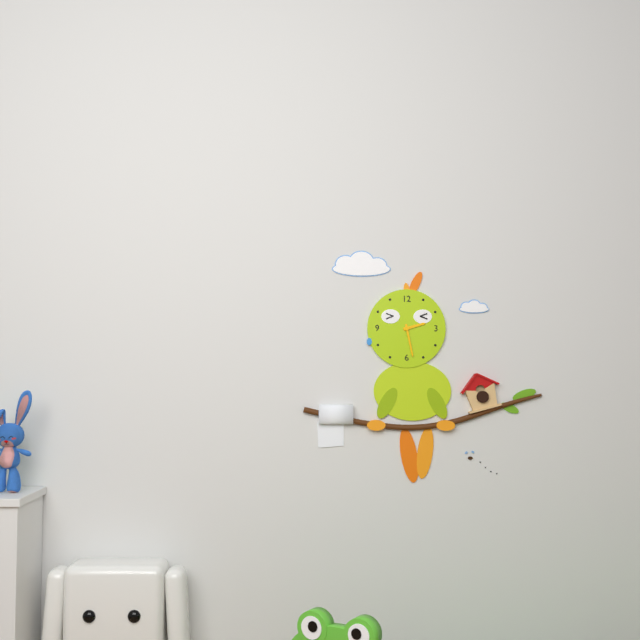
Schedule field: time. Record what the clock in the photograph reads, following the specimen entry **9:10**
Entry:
**2:28**
